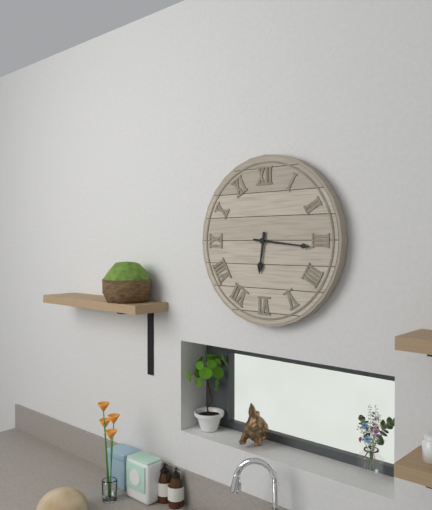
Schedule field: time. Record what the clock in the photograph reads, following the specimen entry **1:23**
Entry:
**6:16**
